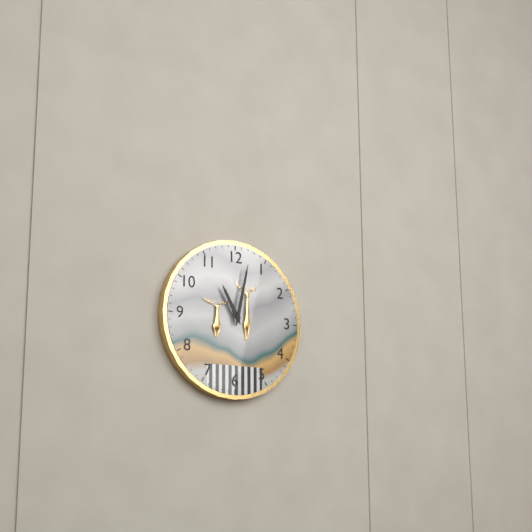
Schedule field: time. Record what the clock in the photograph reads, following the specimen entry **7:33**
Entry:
**11:02**
